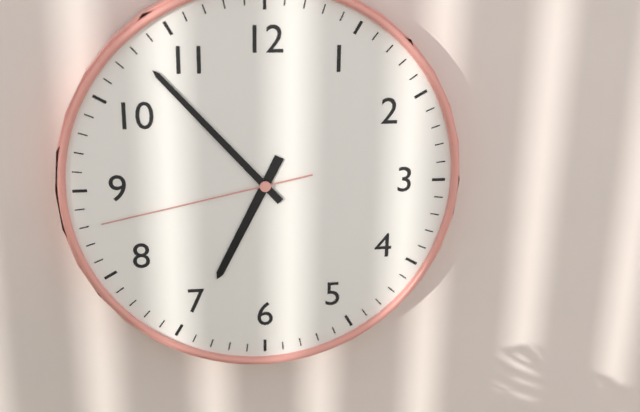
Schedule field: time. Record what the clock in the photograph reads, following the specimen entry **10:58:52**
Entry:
**6:53:43**
